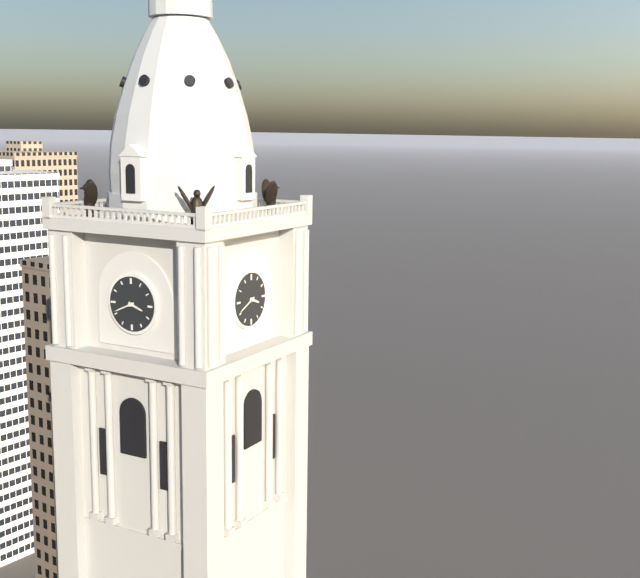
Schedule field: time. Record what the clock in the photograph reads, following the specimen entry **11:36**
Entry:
**3:41**
